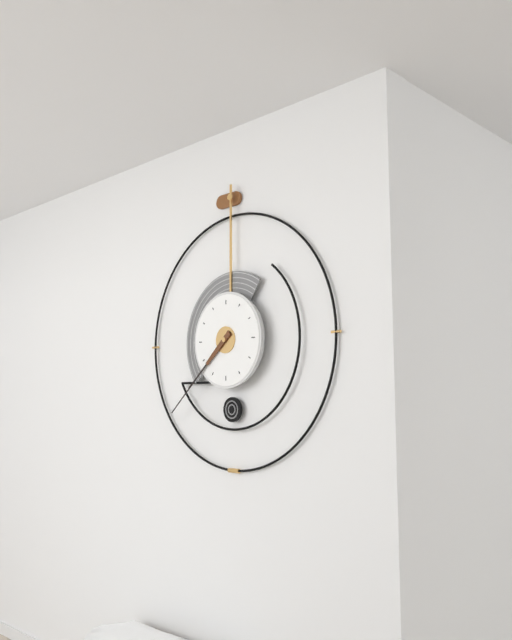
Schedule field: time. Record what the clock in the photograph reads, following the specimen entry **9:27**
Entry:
**7:38**
